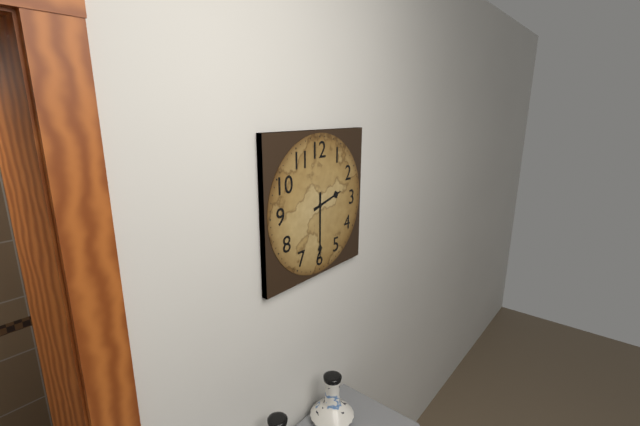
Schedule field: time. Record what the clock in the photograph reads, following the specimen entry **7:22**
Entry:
**2:30**
